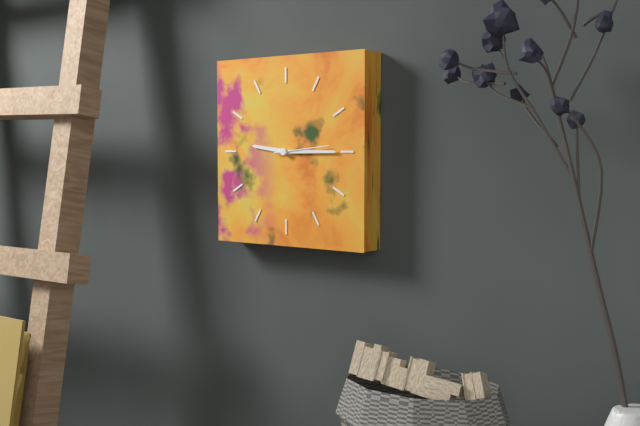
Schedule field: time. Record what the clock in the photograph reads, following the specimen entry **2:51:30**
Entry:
**9:15:14**
